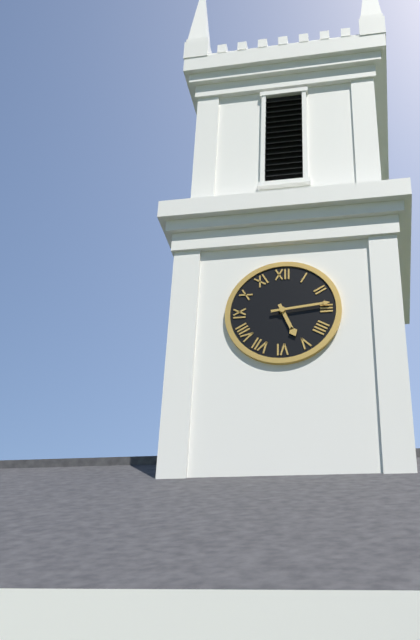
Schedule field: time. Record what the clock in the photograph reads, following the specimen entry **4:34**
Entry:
**5:14**
